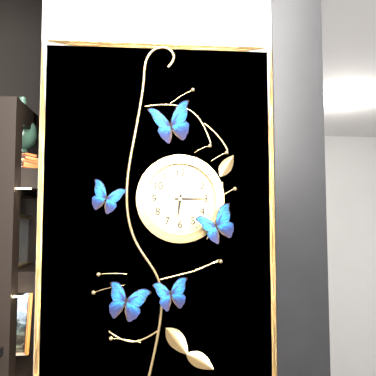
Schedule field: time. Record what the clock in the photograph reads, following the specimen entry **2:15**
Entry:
**6:15**
